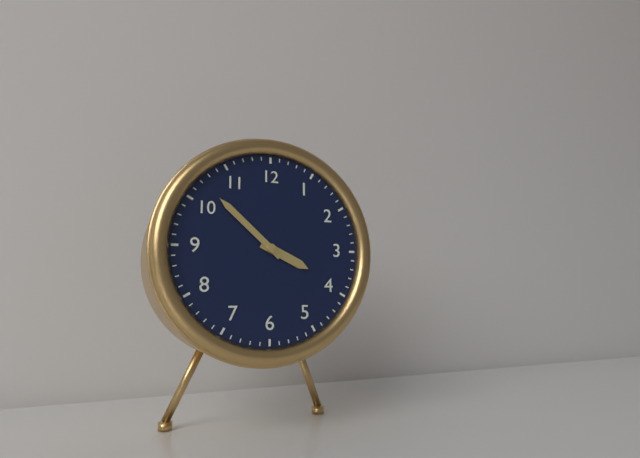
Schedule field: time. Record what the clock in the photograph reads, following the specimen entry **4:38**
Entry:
**3:52**
